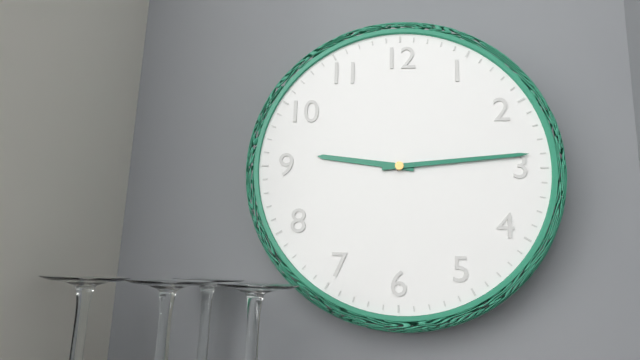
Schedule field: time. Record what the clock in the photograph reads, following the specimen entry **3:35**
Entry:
**9:14**
